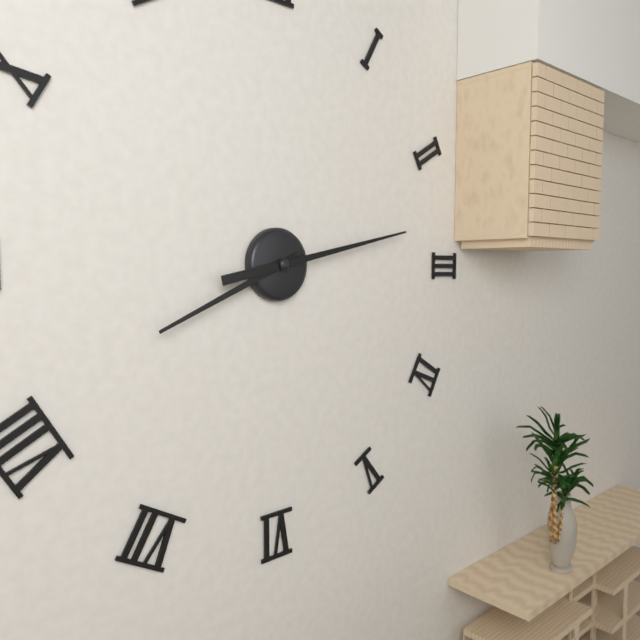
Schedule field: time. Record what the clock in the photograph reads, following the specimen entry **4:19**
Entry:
**8:13**
